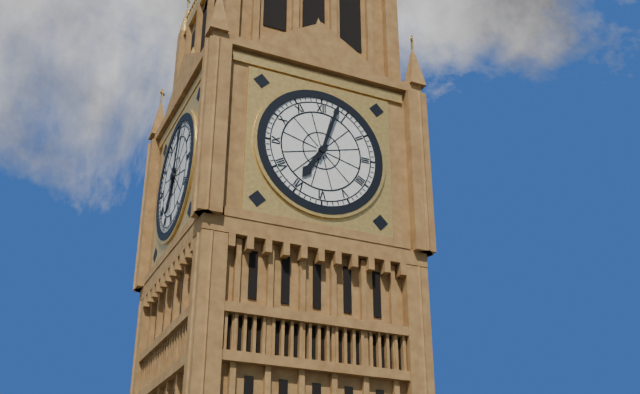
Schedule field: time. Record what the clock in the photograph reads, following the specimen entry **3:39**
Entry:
**7:03**
